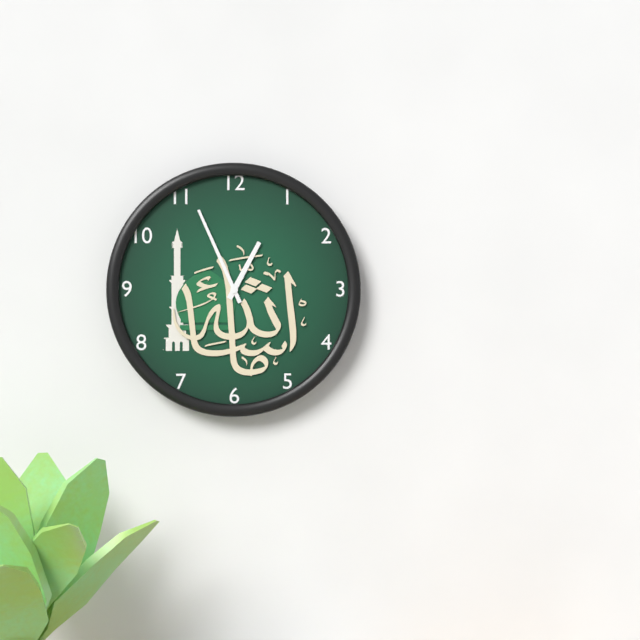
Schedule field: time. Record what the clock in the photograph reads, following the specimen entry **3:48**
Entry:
**12:56**
